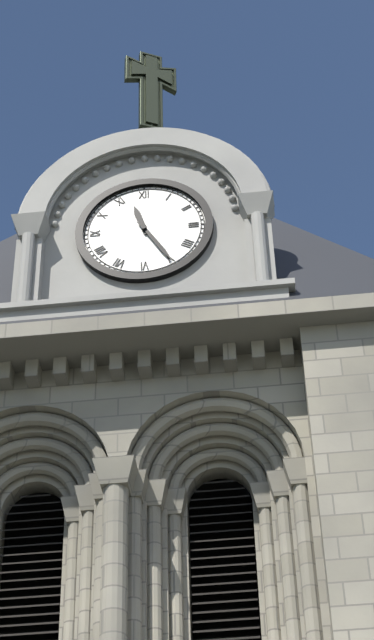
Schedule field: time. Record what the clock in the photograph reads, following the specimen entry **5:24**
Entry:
**11:25**
